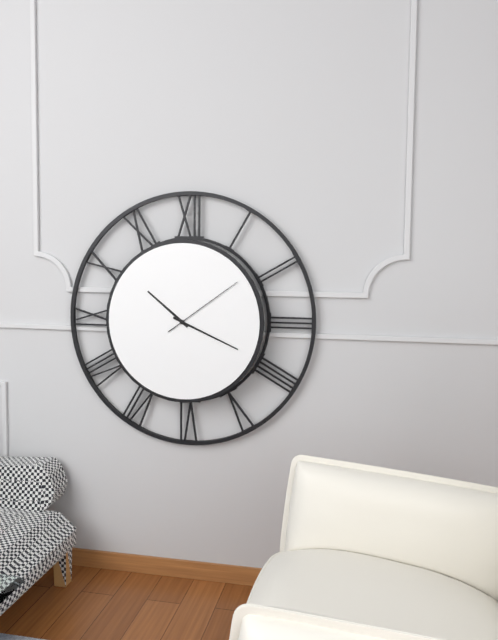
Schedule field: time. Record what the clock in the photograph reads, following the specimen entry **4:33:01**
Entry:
**10:19:09**
